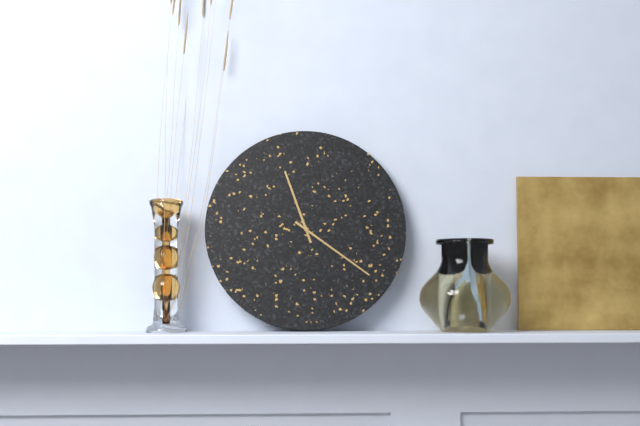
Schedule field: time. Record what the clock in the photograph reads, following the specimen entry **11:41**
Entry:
**11:21**
